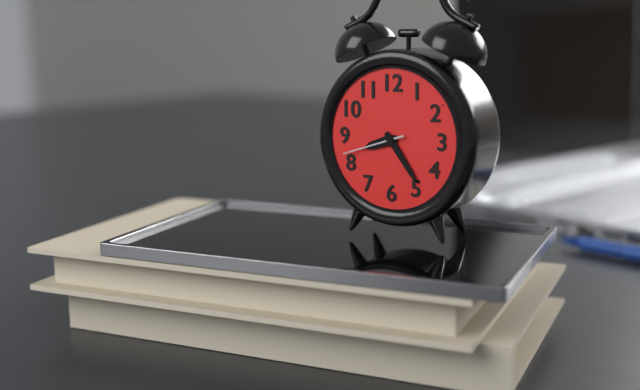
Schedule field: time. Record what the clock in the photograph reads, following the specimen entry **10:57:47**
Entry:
**8:24:42**
